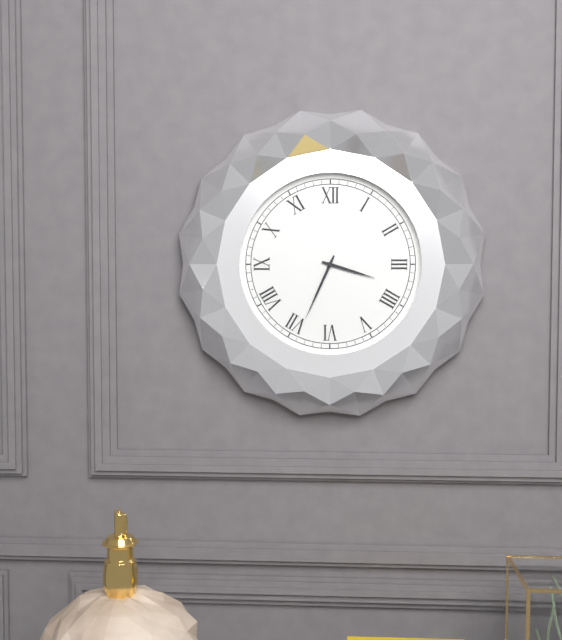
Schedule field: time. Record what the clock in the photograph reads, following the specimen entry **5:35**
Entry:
**3:34**
